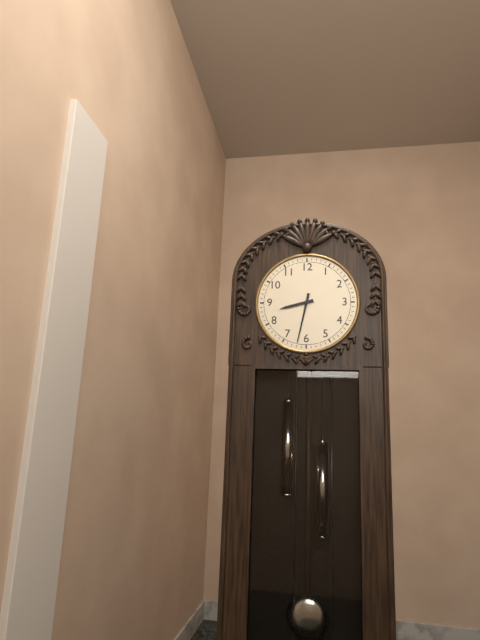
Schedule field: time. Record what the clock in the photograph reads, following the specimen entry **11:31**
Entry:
**8:32**
